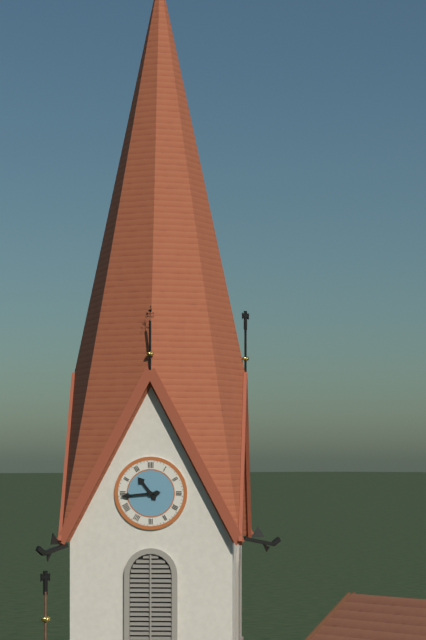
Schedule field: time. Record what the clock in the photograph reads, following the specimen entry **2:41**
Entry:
**10:44**
